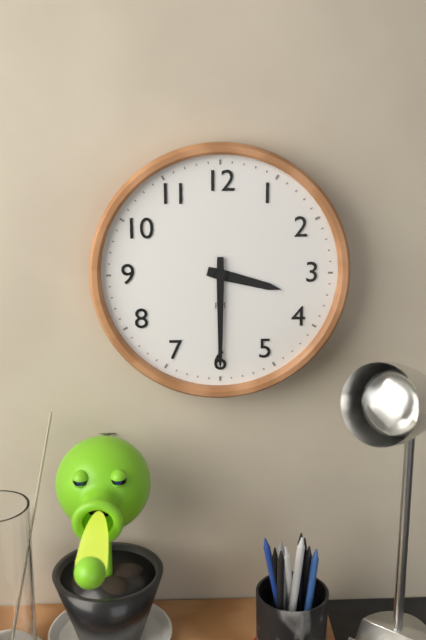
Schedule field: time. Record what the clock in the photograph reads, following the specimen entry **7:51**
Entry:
**3:30**
